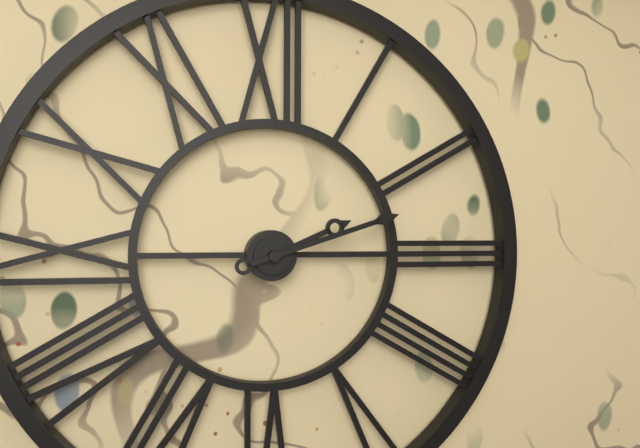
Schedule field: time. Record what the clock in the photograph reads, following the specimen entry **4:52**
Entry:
**2:12**
